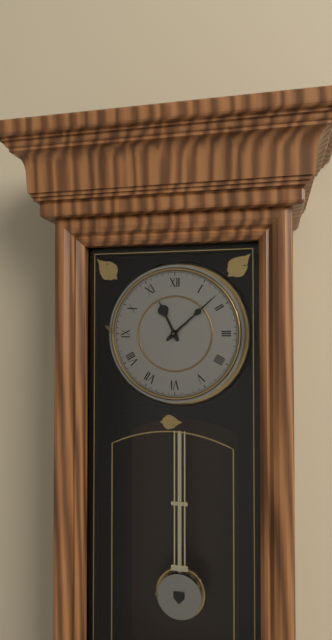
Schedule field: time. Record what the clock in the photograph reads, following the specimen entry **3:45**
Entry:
**11:08**
